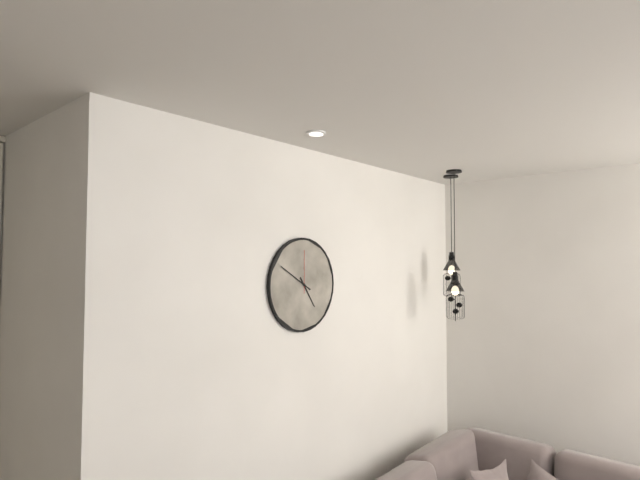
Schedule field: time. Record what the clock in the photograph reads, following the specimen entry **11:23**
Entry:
**4:50**
